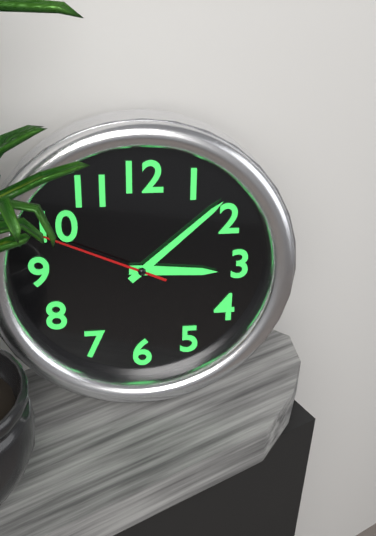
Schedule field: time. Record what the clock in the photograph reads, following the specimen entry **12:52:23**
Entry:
**3:08:49**
